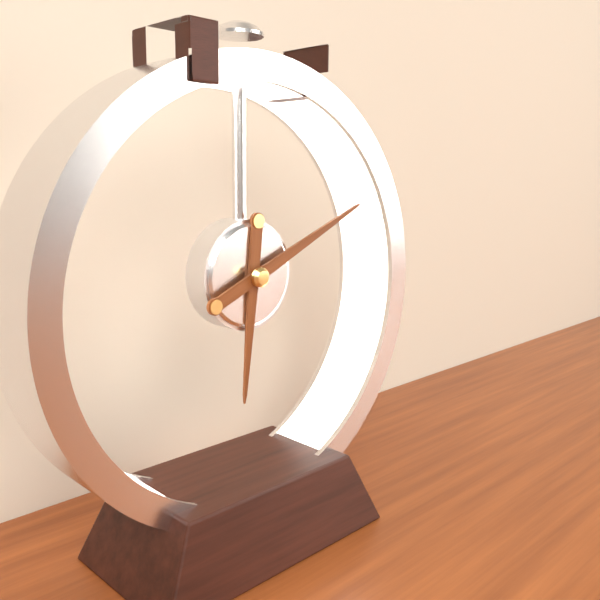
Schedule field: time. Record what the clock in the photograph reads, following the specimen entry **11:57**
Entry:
**6:11**
